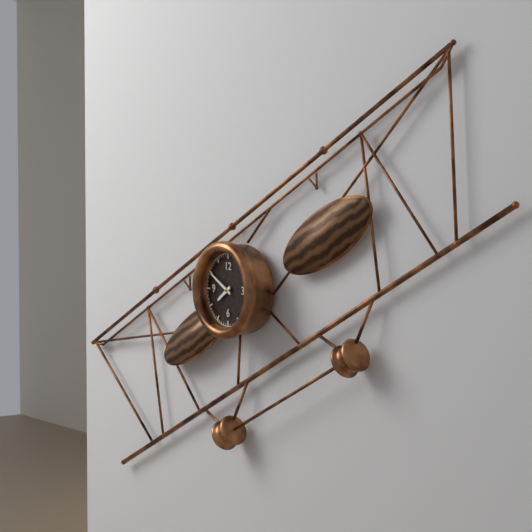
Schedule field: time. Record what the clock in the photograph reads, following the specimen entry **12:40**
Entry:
**7:50**
